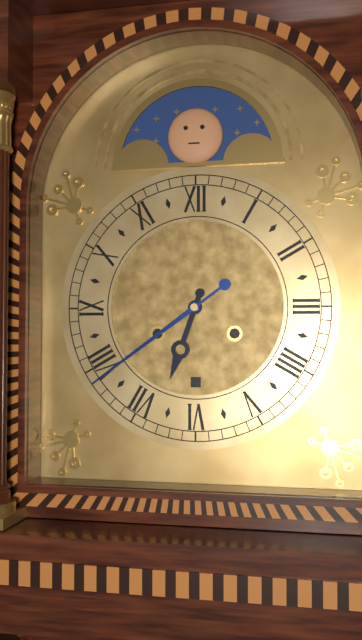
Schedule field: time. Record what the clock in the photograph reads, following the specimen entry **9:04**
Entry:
**6:39**
